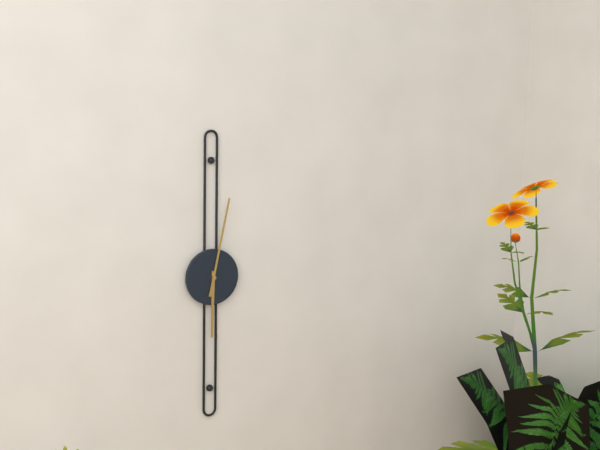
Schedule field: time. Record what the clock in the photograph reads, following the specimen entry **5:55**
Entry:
**6:02**
